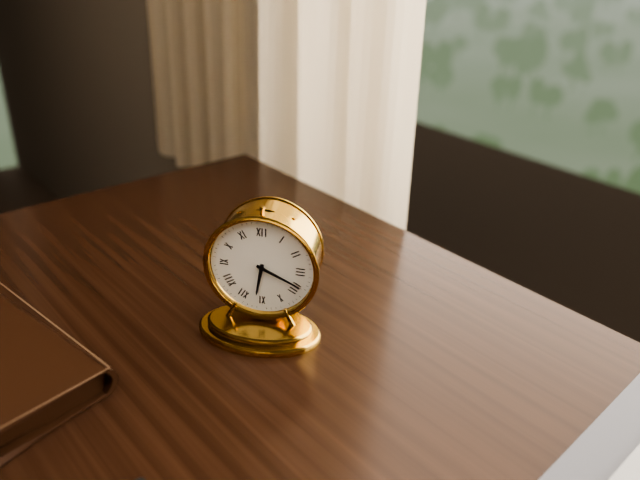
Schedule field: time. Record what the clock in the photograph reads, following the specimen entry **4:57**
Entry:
**6:19**
